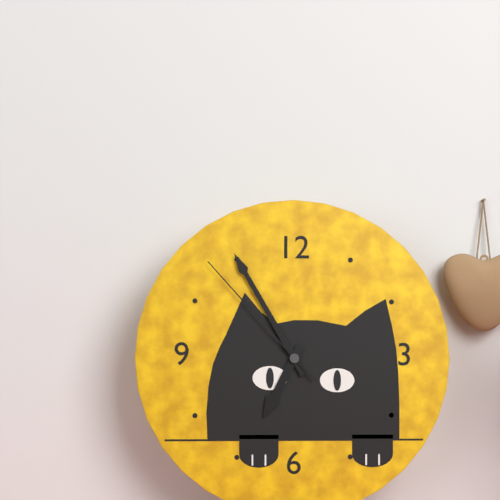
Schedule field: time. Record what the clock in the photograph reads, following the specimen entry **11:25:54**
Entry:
**6:55:53**
